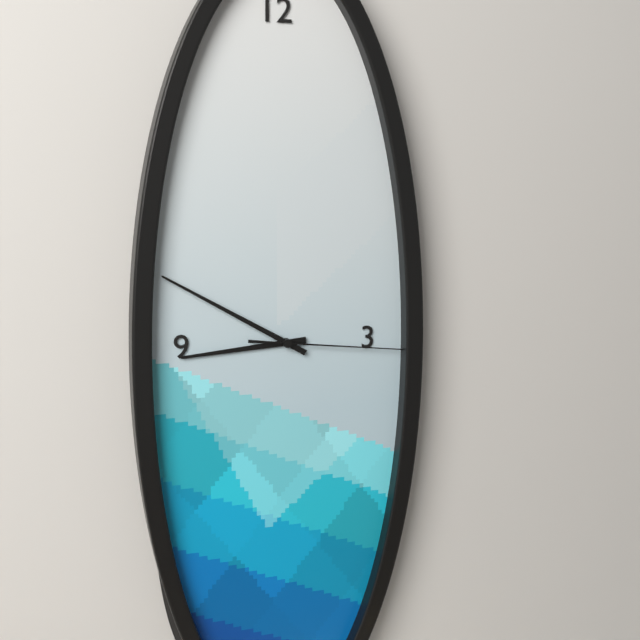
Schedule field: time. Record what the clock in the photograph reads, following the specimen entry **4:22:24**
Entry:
**8:50:16**
